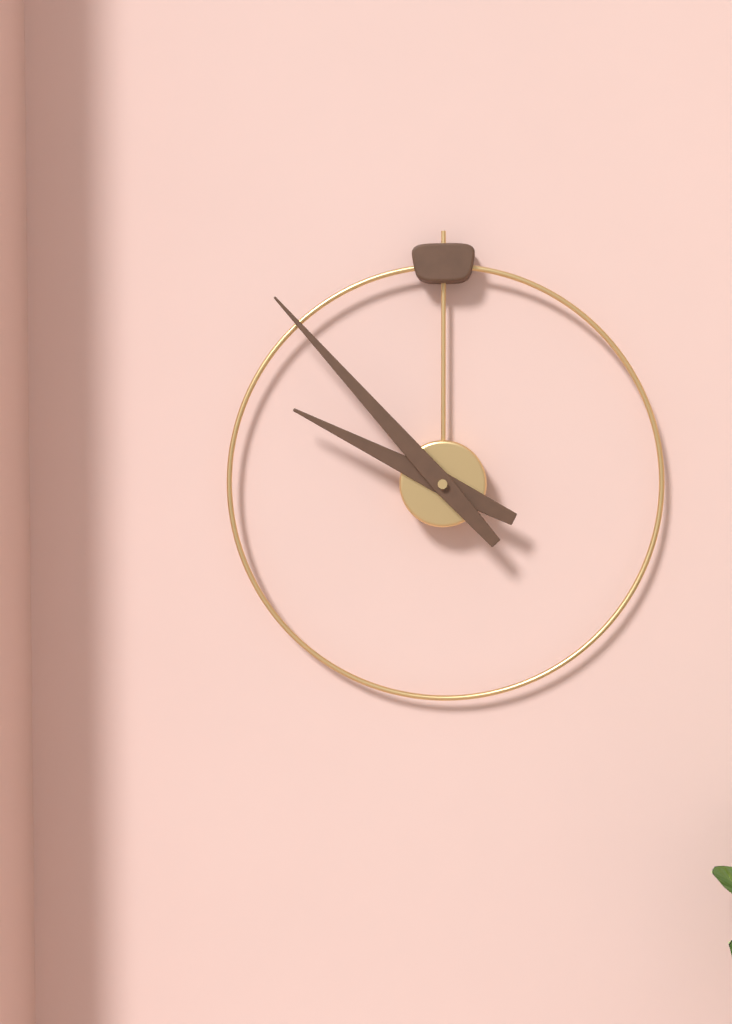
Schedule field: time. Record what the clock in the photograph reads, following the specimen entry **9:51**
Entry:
**9:53**
